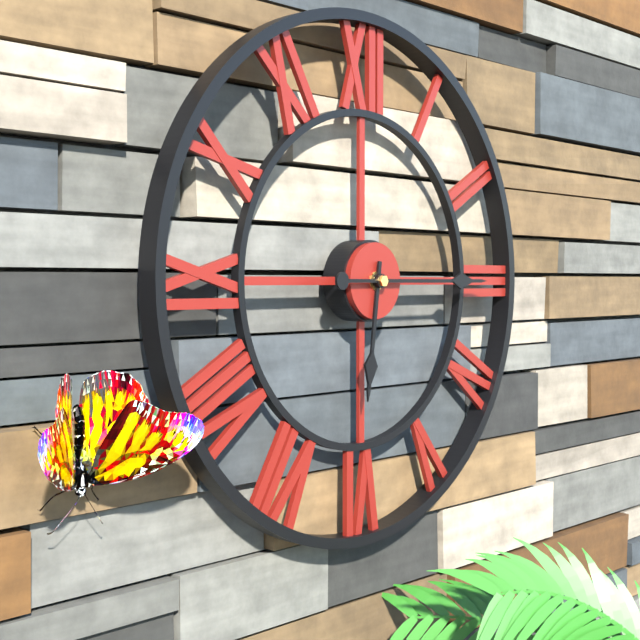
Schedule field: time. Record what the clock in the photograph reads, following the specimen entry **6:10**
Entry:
**6:15**
